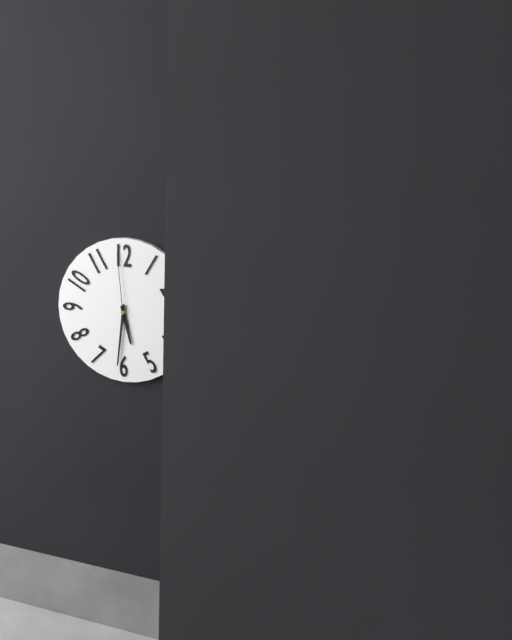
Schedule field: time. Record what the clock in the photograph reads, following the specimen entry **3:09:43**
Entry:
**5:31:59**
